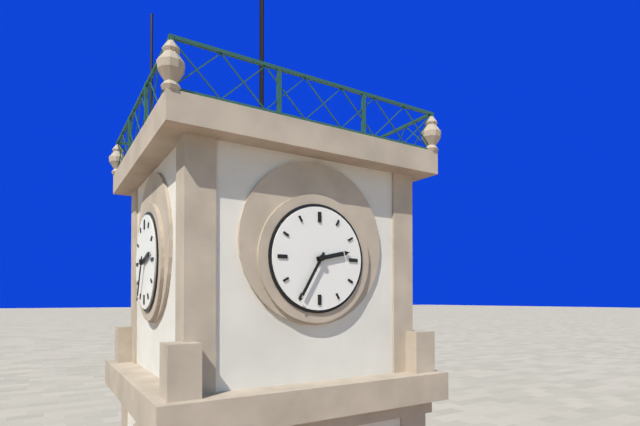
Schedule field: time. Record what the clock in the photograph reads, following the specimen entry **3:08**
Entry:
**2:35**
